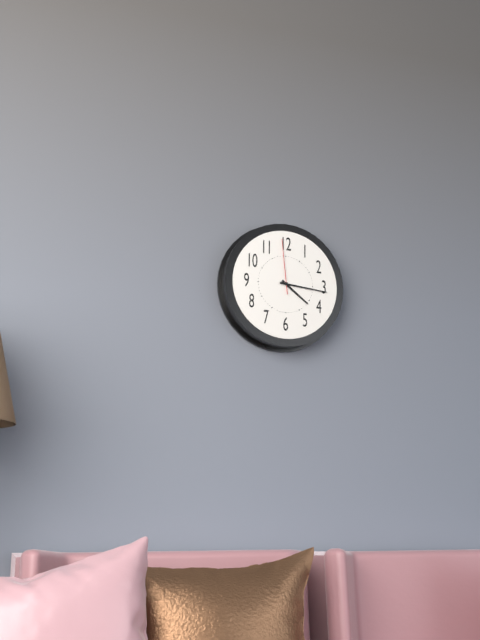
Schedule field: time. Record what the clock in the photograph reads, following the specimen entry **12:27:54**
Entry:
**4:16:59**
